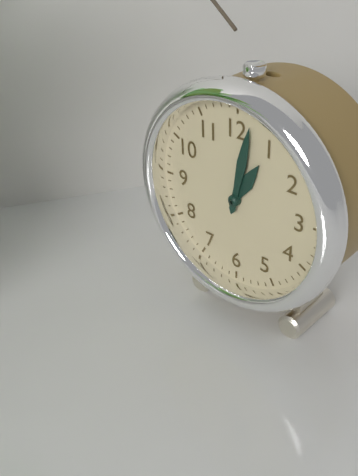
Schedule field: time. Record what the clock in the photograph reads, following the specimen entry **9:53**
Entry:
**1:02**
